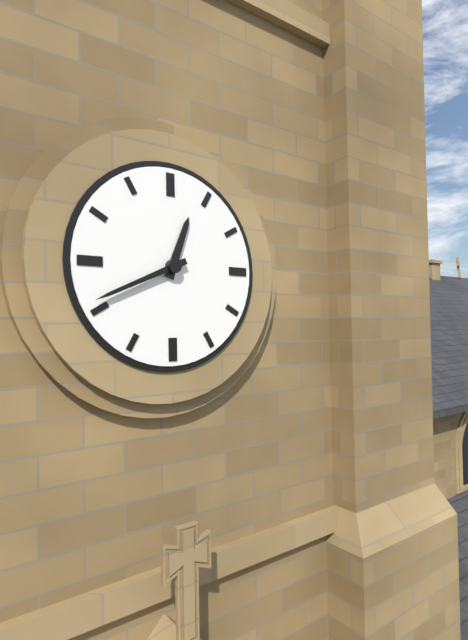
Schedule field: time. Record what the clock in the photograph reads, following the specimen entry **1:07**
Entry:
**12:41**
